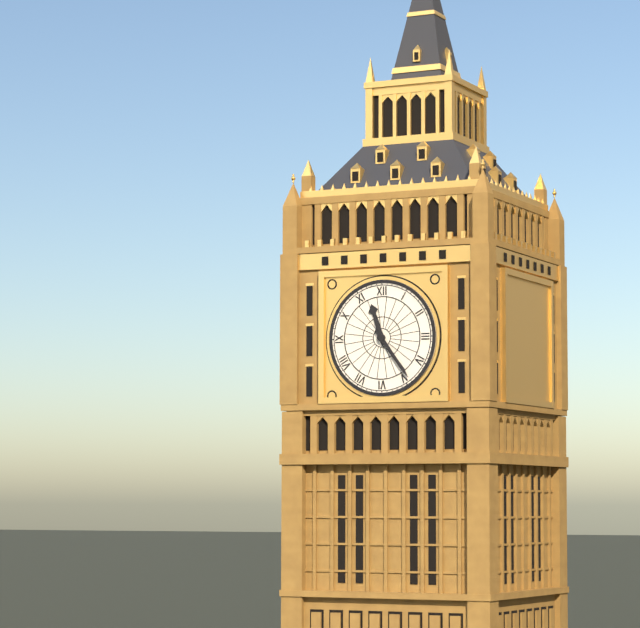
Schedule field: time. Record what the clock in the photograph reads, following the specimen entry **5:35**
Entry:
**11:24**
